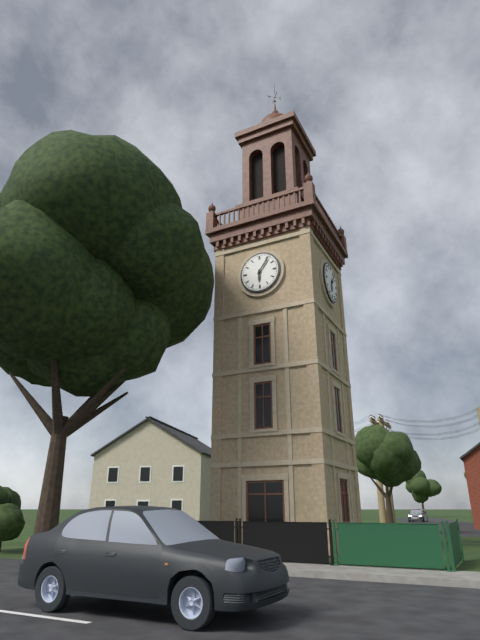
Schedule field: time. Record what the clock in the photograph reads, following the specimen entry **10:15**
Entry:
**6:06**
